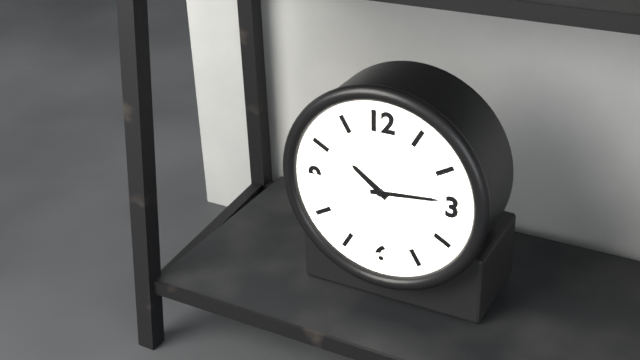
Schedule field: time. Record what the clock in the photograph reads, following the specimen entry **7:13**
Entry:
**10:14**
